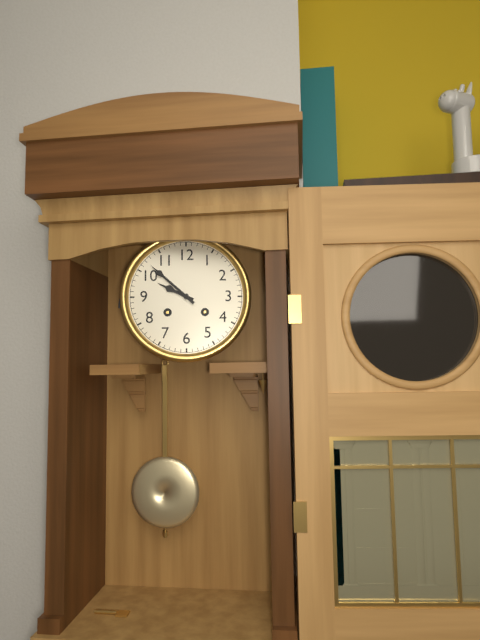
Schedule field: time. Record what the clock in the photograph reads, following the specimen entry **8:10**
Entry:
**9:52**
